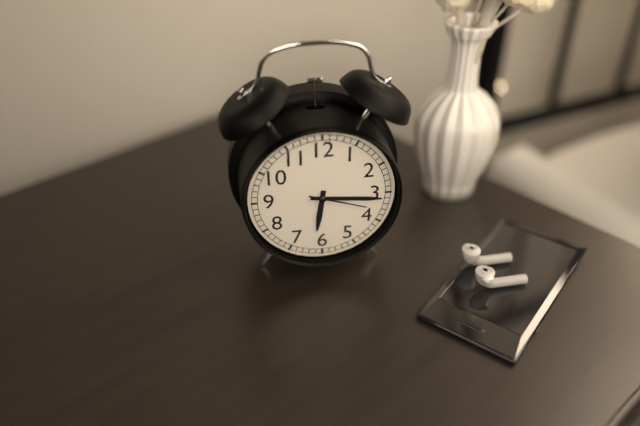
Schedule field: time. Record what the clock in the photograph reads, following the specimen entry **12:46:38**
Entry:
**6:16:18**
